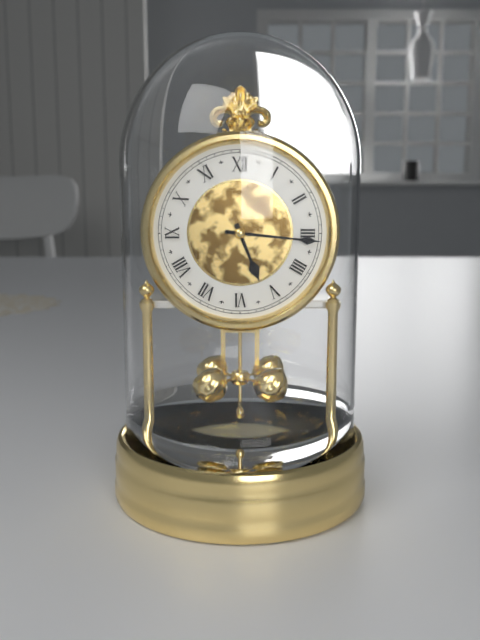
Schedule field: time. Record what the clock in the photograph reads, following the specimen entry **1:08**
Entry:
**5:16**
